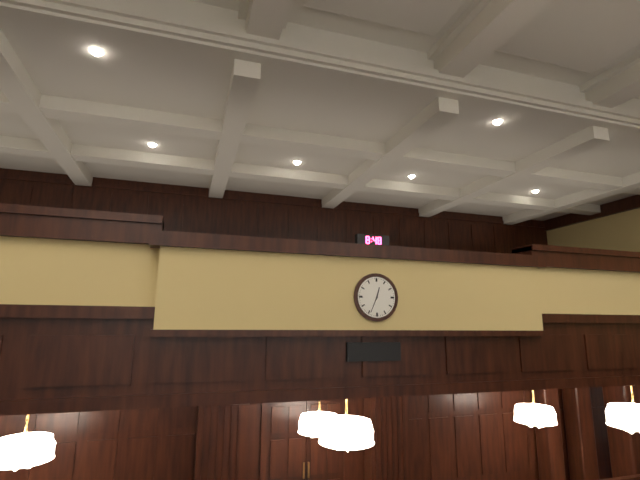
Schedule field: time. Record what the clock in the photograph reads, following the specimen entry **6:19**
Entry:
**12:34**
